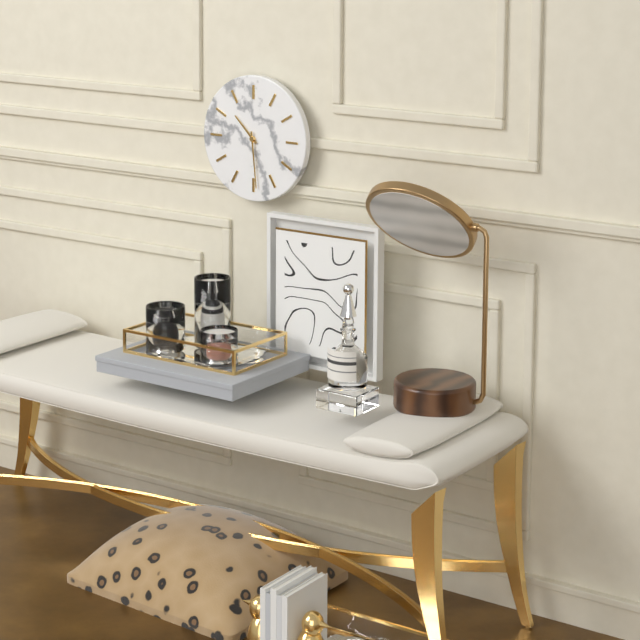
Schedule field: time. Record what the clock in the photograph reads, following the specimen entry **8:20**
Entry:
**10:29**
